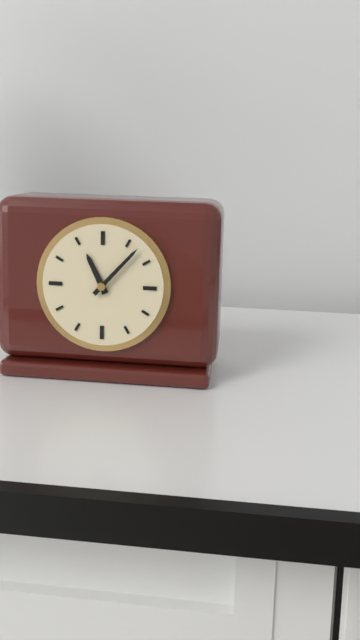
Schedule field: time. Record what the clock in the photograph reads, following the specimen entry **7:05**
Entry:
**11:07**
